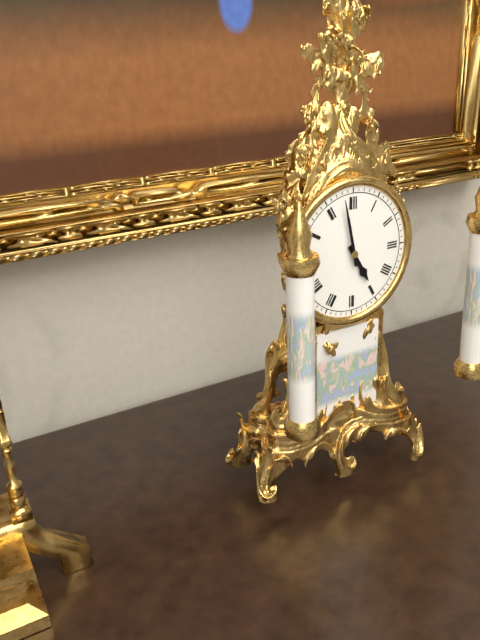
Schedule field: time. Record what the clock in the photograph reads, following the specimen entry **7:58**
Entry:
**4:58**
